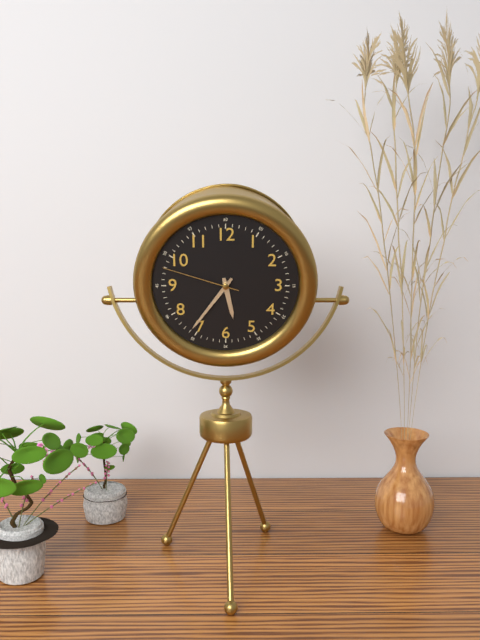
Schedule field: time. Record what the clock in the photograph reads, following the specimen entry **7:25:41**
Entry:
**5:36:48**
